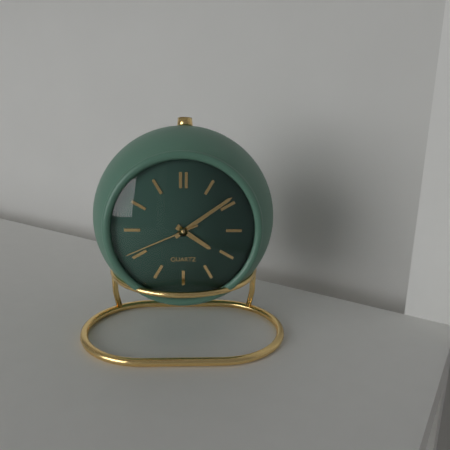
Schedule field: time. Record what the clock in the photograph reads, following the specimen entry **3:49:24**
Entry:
**4:09:41**
